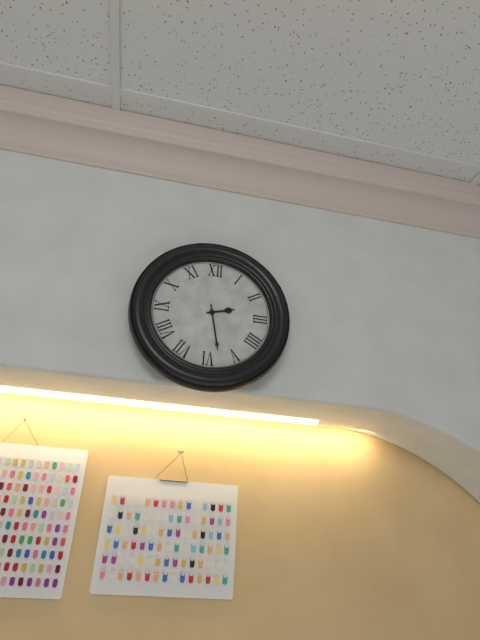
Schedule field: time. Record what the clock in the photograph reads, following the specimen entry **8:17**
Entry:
**2:28**
